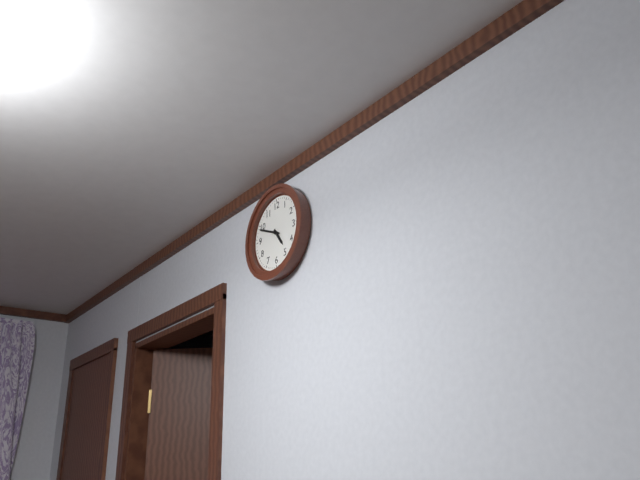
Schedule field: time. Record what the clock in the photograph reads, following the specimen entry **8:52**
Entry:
**4:49**
